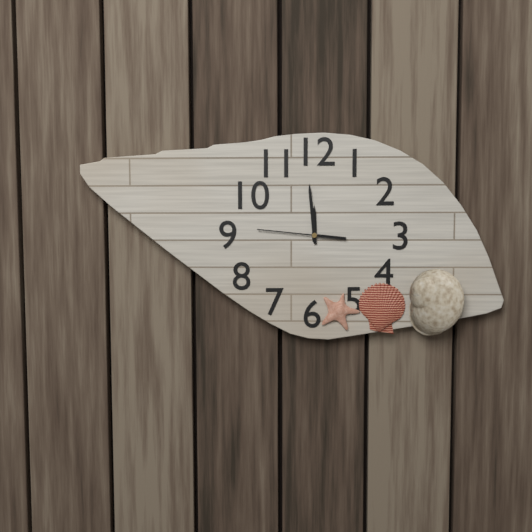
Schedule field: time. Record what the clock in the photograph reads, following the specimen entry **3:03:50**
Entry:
**11:59:46**
